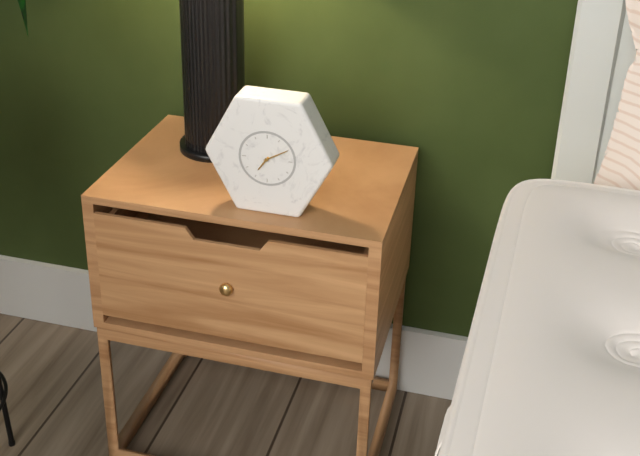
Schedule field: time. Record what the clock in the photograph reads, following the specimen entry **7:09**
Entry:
**7:10**
